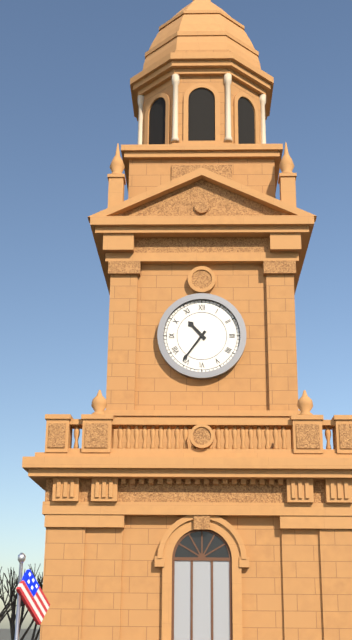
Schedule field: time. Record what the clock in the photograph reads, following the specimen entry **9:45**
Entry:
**10:36**
